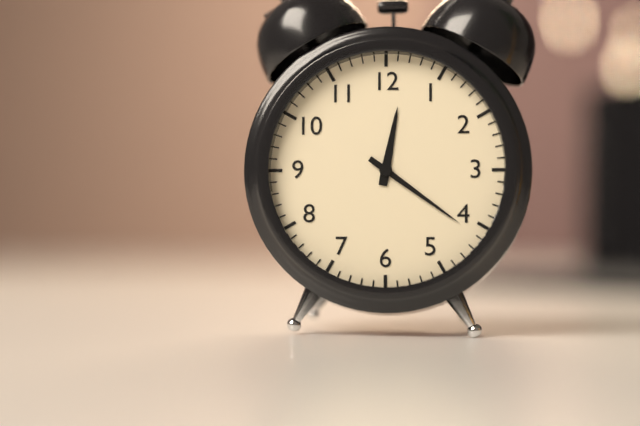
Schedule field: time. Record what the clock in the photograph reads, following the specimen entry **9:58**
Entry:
**12:21**
